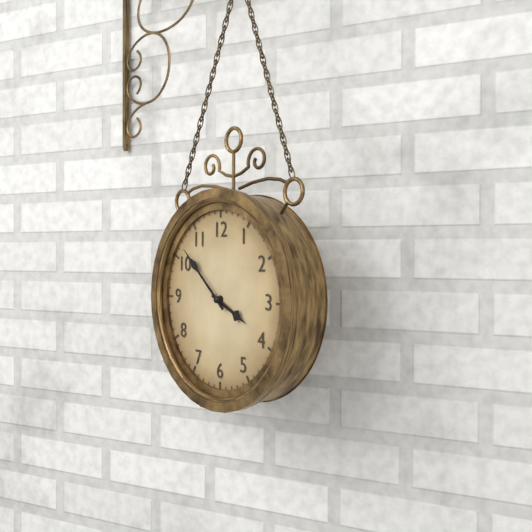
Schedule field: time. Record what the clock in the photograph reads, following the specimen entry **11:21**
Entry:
**3:52**
